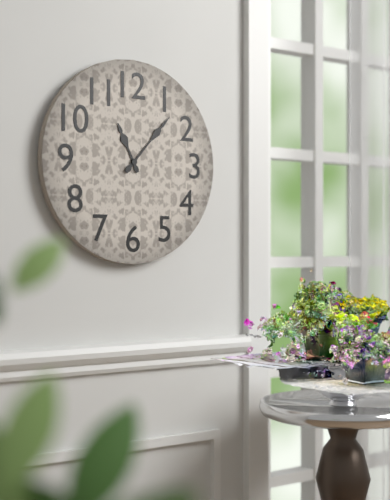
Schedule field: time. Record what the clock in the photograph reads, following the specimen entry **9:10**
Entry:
**11:07**
